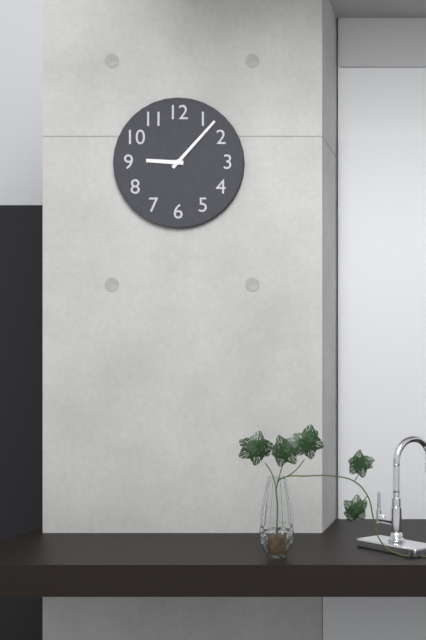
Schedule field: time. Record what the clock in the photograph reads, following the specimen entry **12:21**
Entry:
**9:07**
